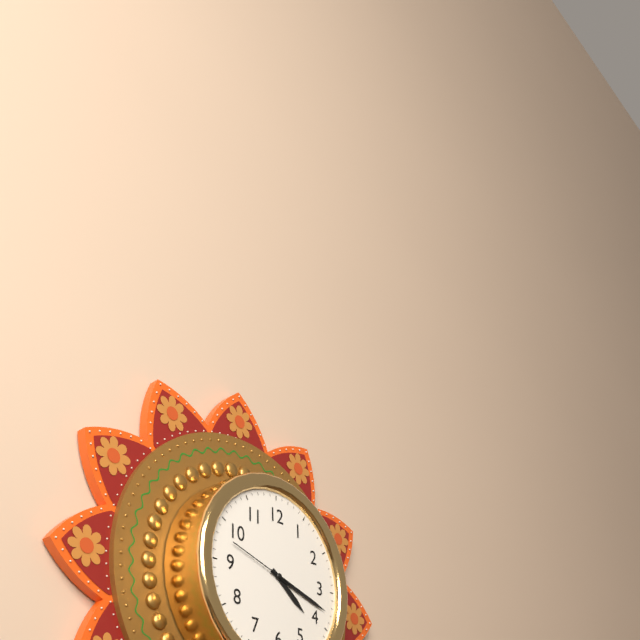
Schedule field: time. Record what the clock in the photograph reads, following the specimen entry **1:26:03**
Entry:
**4:18:48**
